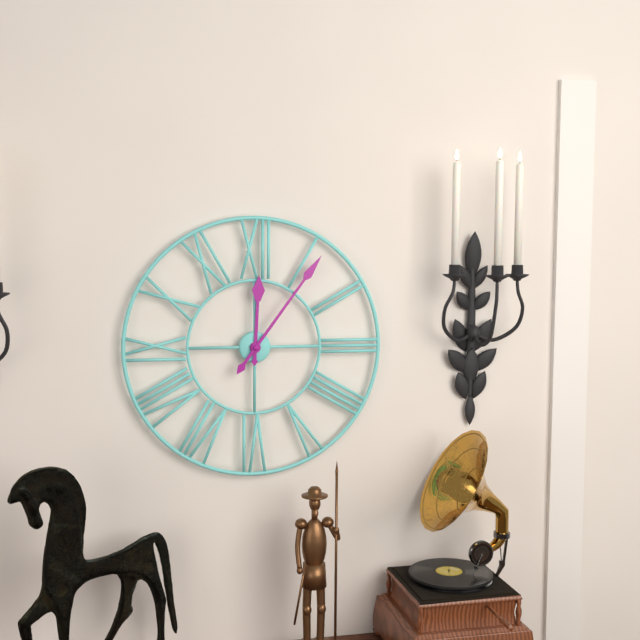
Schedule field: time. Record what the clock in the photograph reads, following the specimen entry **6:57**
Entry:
**12:06**
